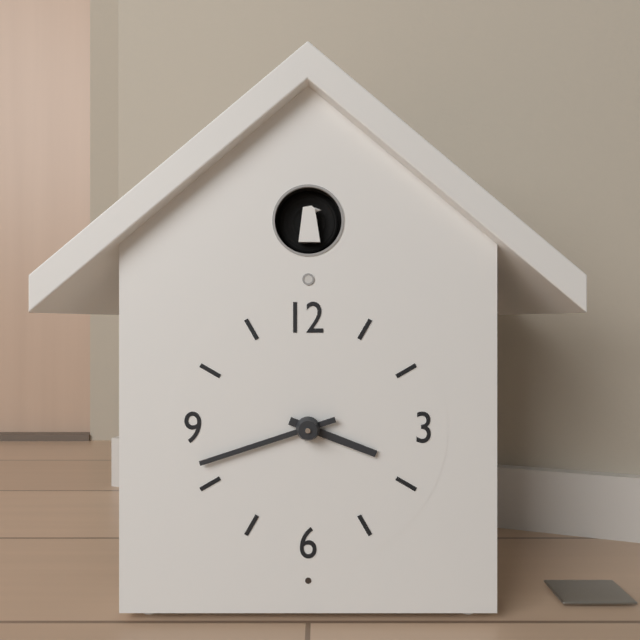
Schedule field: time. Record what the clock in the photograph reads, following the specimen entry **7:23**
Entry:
**3:42**
